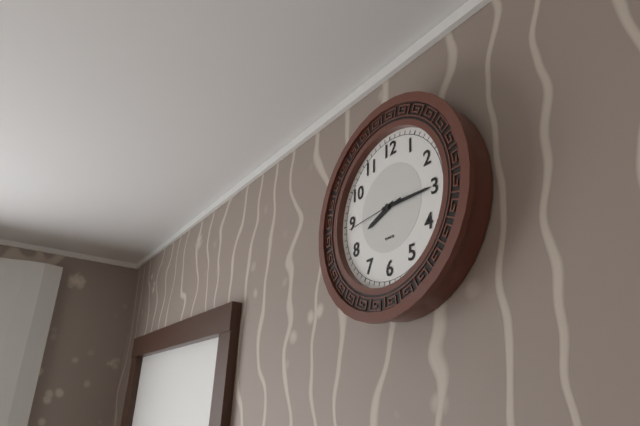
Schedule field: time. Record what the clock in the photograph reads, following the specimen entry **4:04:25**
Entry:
**8:15:44**
